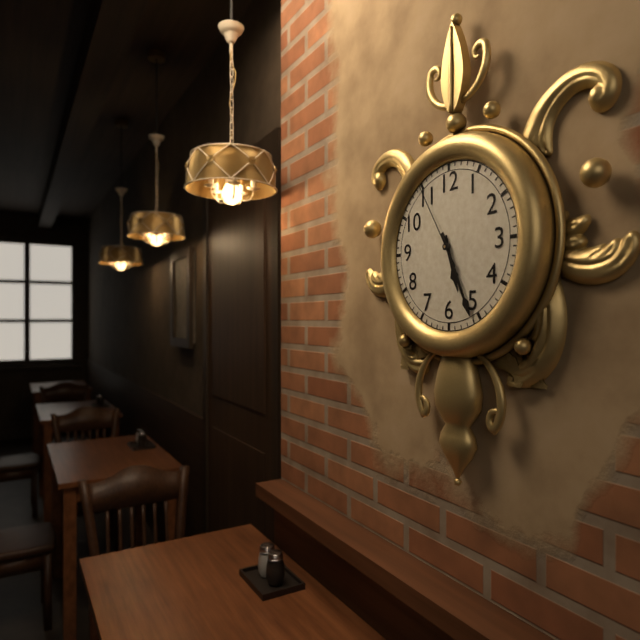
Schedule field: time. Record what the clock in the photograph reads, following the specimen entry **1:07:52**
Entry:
**5:26:55**
